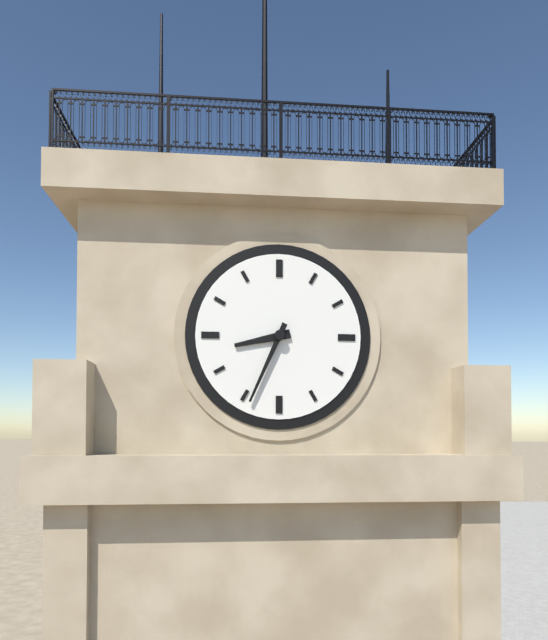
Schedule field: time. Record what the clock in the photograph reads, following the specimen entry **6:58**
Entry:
**8:34**
